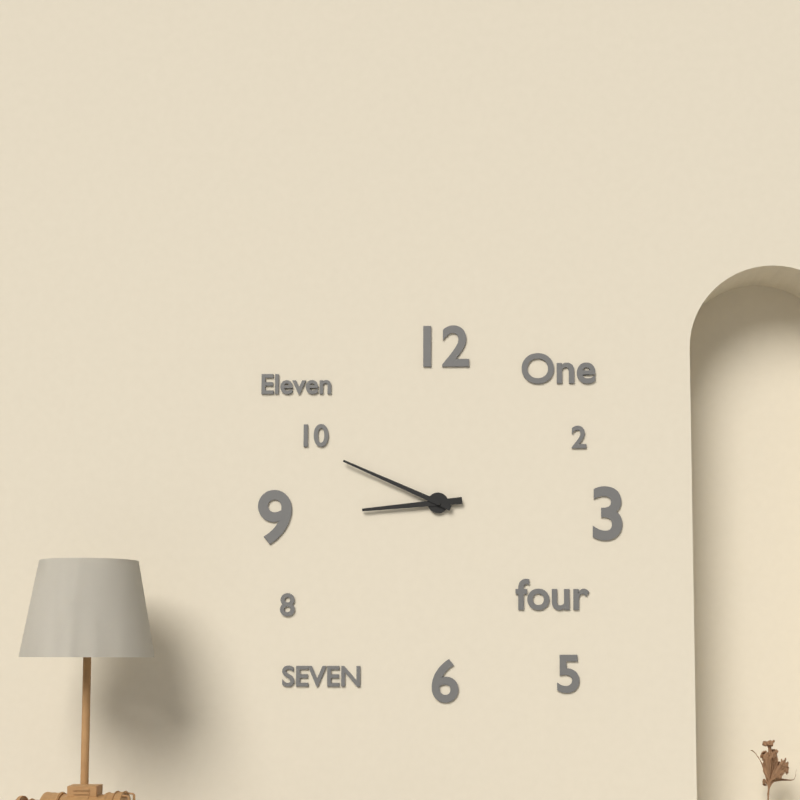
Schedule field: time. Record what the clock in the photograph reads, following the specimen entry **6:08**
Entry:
**8:49**
